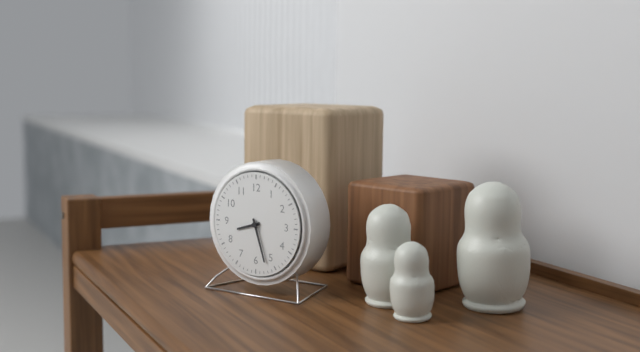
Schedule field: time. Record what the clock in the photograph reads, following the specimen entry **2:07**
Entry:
**8:27**
